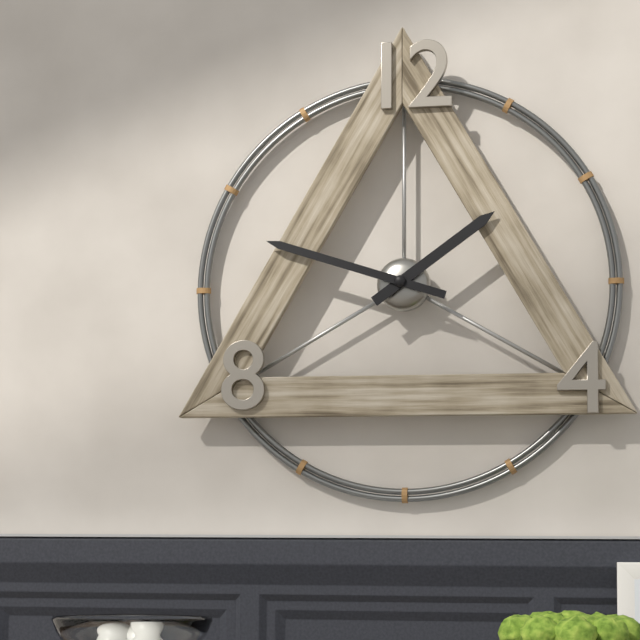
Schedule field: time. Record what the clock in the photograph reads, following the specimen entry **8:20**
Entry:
**1:48**
